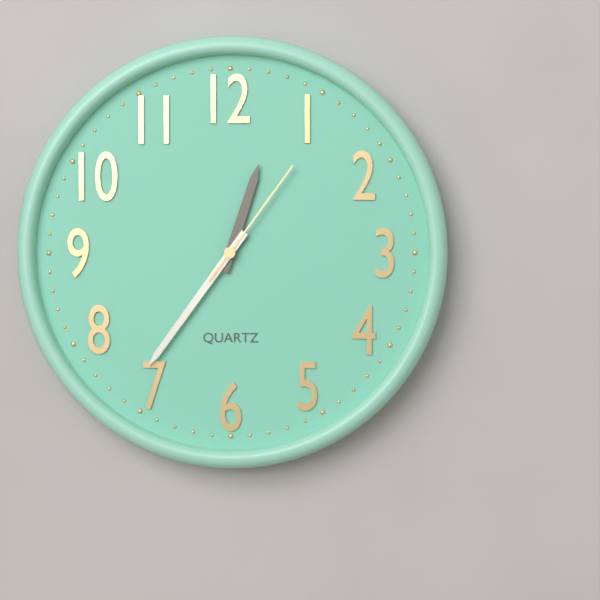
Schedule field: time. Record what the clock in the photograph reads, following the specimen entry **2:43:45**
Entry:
**12:36:06**
